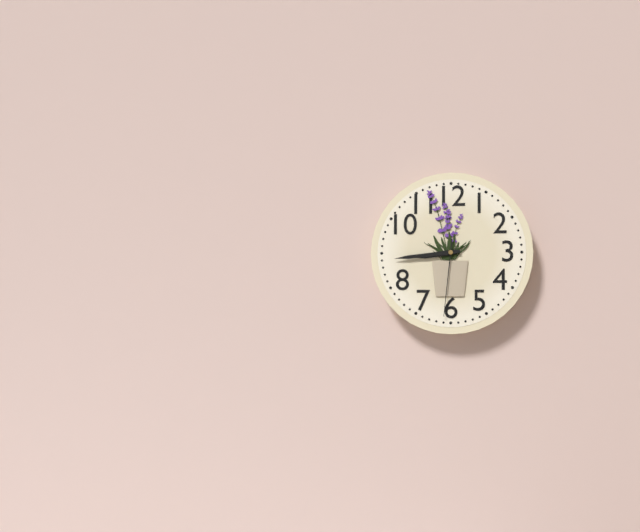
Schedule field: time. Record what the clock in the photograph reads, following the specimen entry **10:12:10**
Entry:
**8:44:31**
